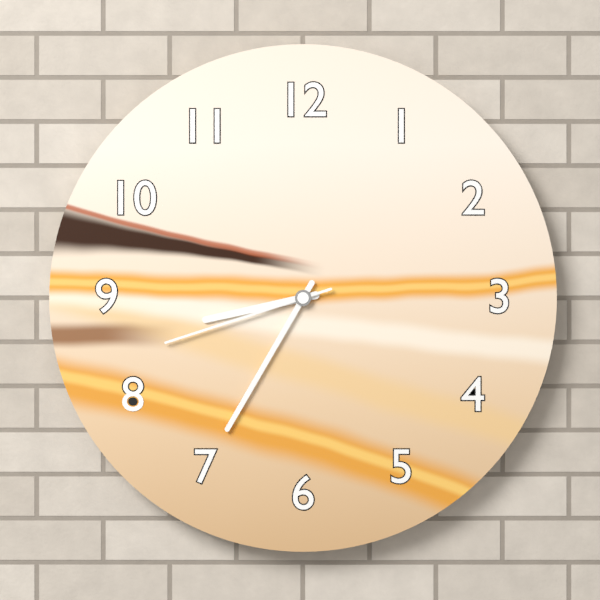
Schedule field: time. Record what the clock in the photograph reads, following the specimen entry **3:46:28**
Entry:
**8:35:42**
